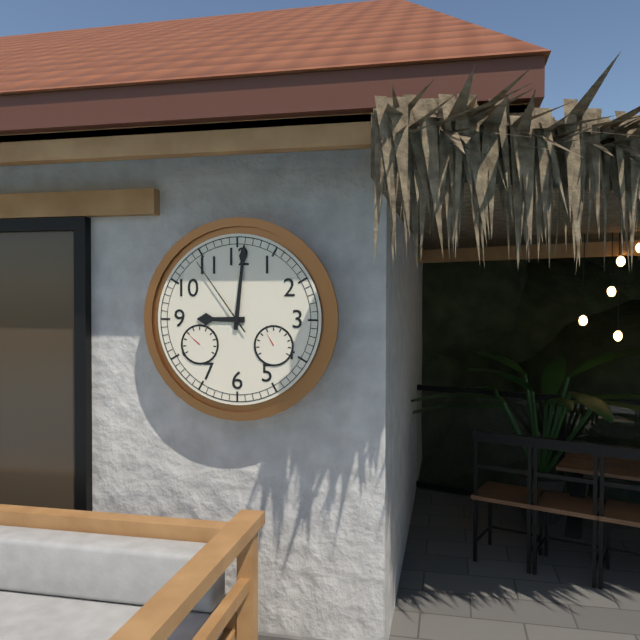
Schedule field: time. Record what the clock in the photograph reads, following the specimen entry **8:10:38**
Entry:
**9:01:54**
